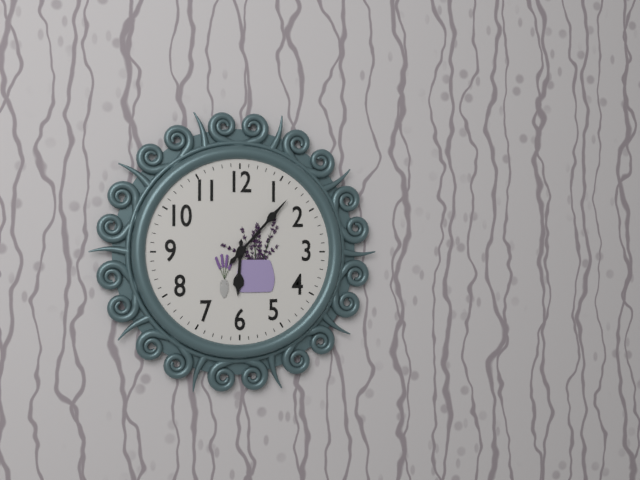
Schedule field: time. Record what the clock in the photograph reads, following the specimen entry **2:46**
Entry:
**6:07**
